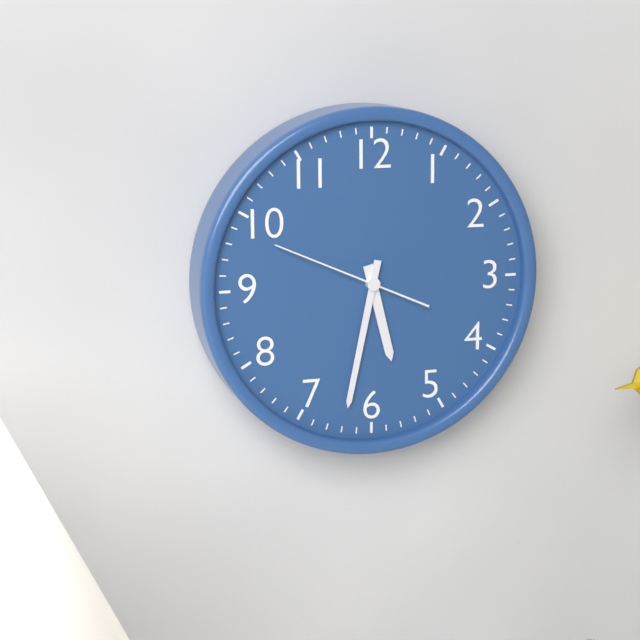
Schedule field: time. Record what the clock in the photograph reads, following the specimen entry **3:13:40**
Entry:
**5:32:49**
